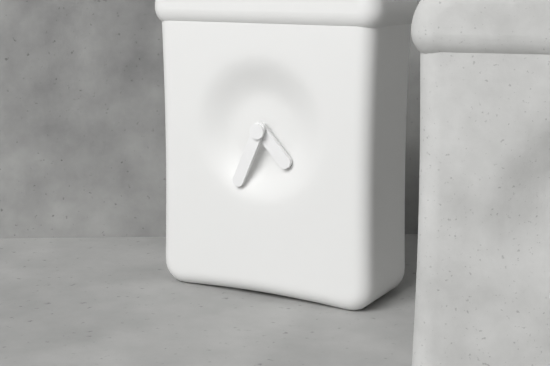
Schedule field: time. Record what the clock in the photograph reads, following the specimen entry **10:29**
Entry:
**4:34**
